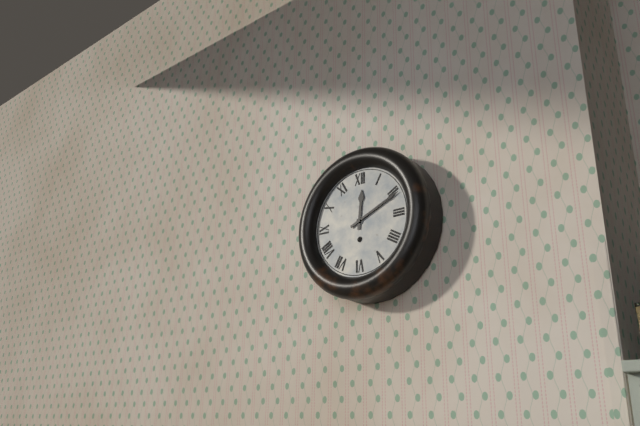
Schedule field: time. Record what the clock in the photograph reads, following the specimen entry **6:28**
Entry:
**12:11**
